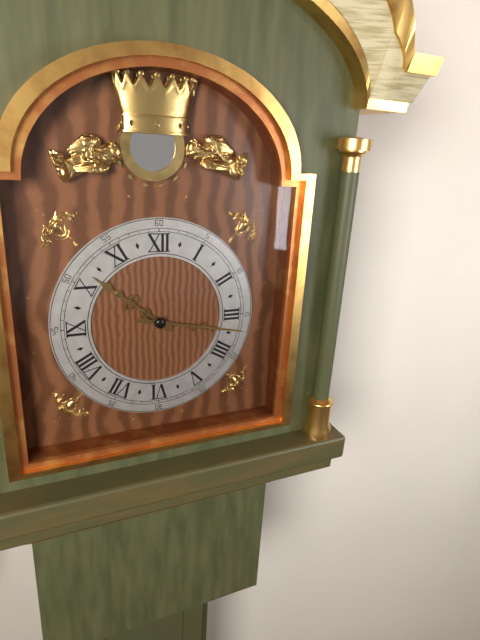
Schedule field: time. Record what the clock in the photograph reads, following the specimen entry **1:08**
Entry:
**10:17**
